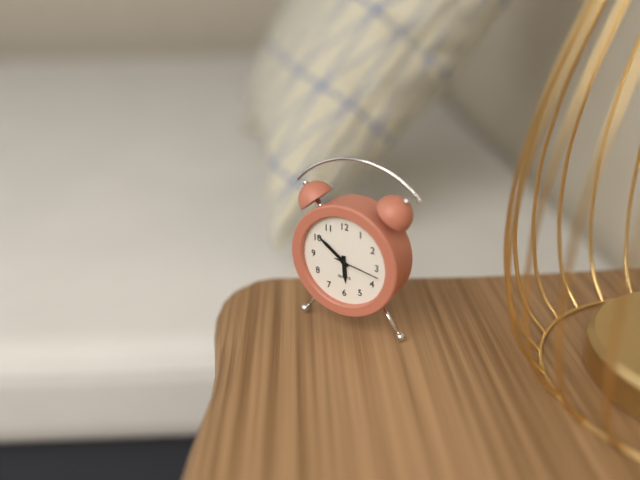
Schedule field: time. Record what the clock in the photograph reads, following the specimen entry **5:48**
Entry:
**5:51**
